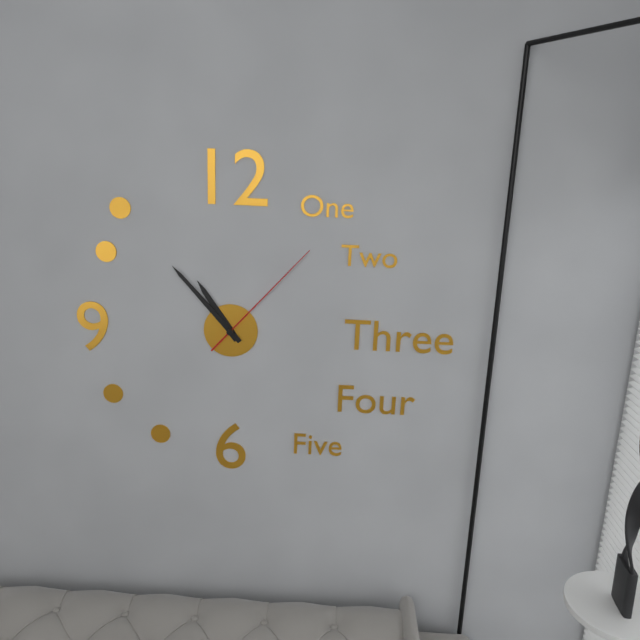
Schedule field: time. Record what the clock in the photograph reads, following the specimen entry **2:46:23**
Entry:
**10:53:07**
